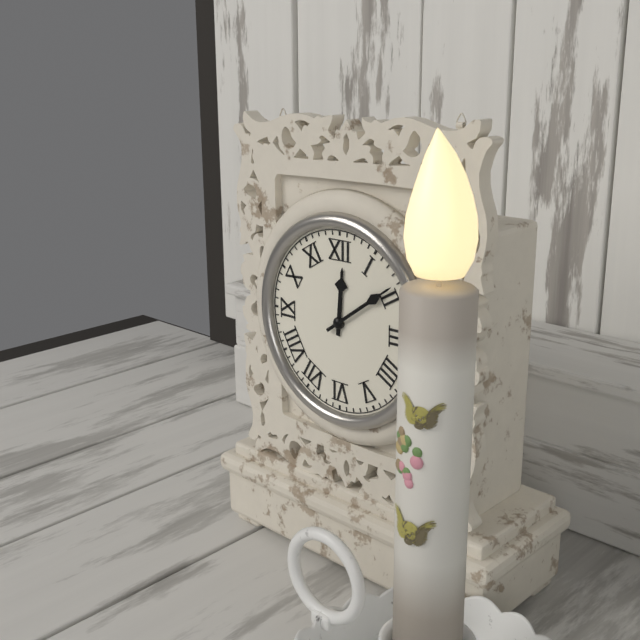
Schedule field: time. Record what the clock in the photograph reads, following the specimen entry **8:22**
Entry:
**12:09**
